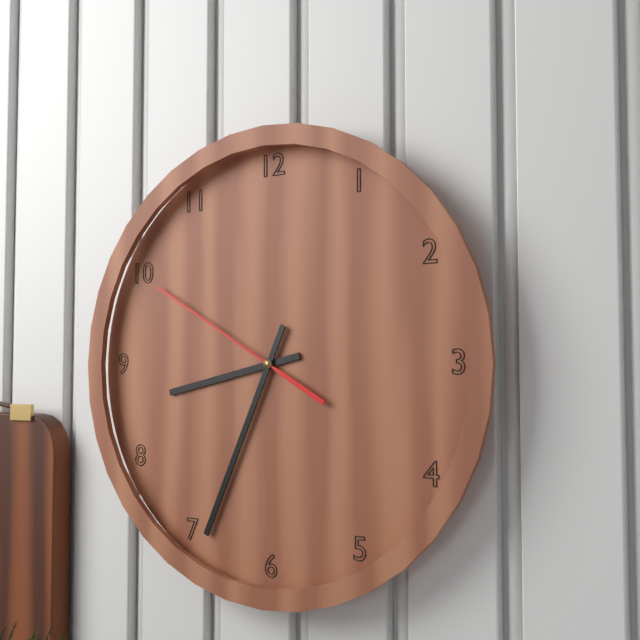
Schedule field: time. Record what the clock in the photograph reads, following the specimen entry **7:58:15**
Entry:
**8:34:50**
